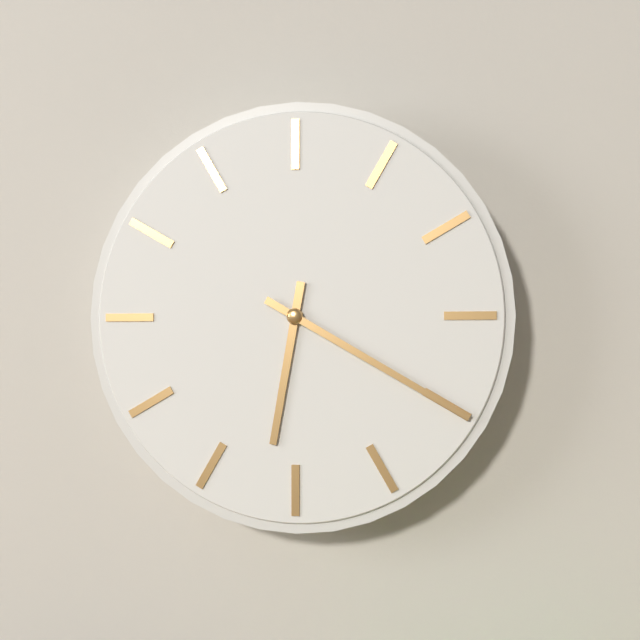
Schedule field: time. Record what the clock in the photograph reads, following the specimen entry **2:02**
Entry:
**6:20**
